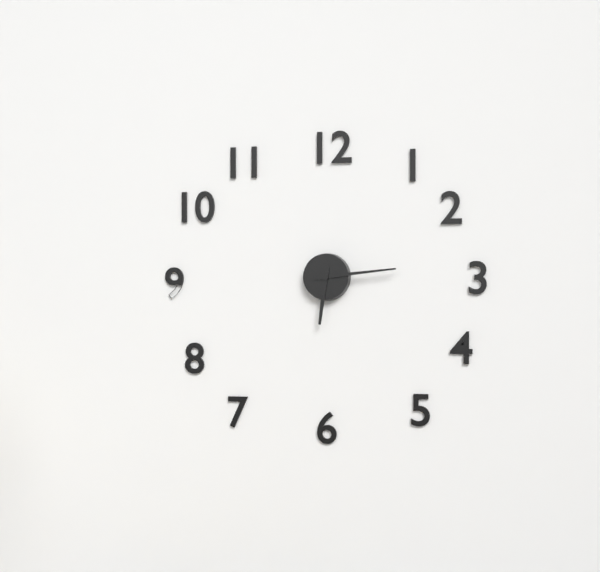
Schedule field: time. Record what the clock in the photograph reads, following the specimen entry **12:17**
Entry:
**6:14**
